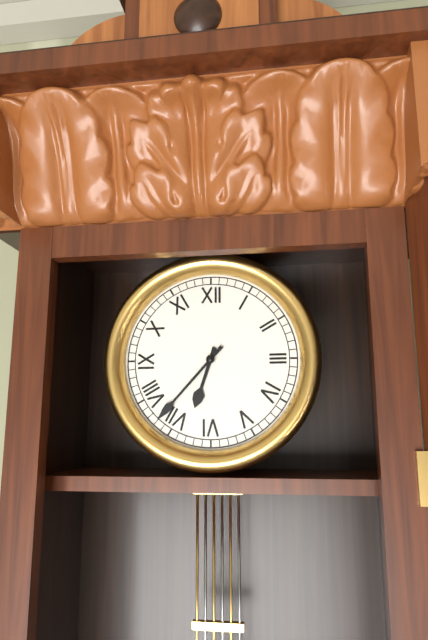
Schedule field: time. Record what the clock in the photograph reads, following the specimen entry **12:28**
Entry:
**6:37**
